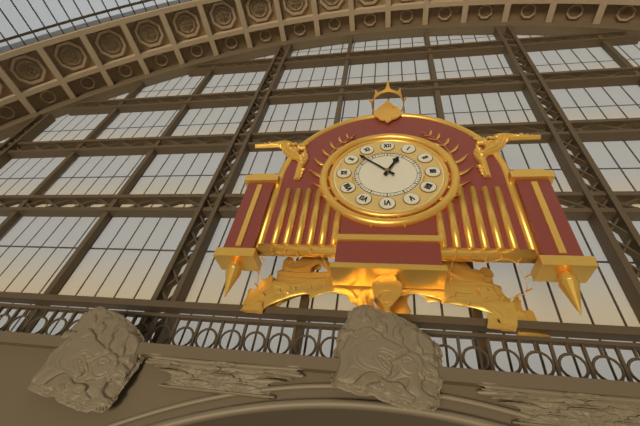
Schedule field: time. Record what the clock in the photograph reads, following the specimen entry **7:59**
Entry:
**12:52**
